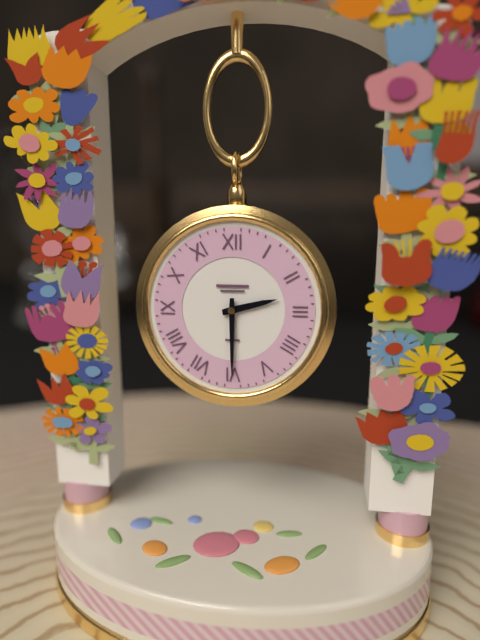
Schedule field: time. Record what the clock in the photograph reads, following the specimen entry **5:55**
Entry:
**2:30**
